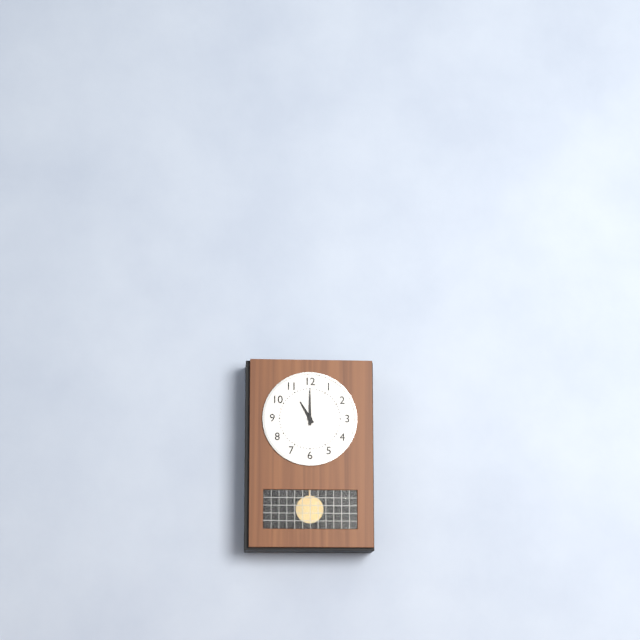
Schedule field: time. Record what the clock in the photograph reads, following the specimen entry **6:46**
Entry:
**11:00**
